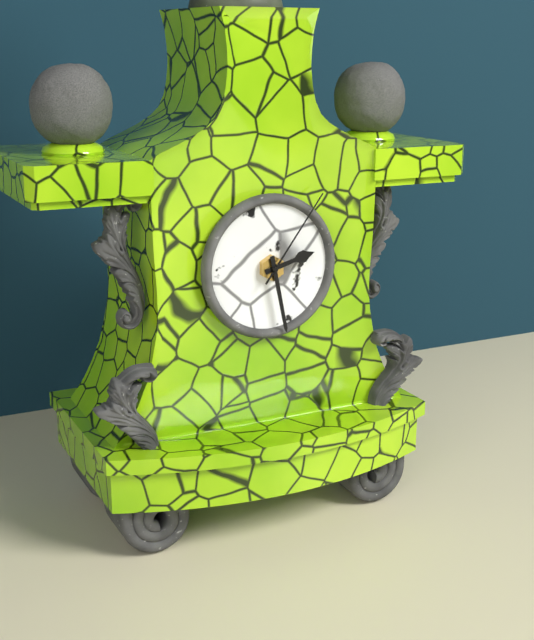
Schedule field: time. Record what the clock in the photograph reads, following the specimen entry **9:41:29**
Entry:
**2:28:06**
